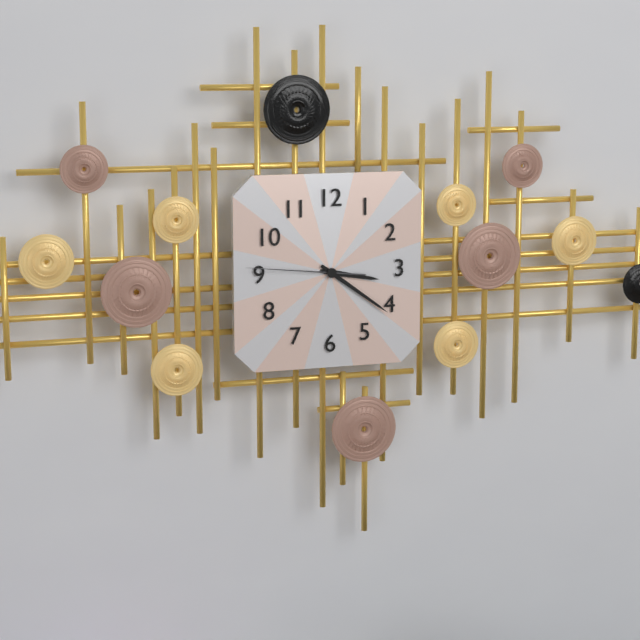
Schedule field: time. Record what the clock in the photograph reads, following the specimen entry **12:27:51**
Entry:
**3:21:46**
